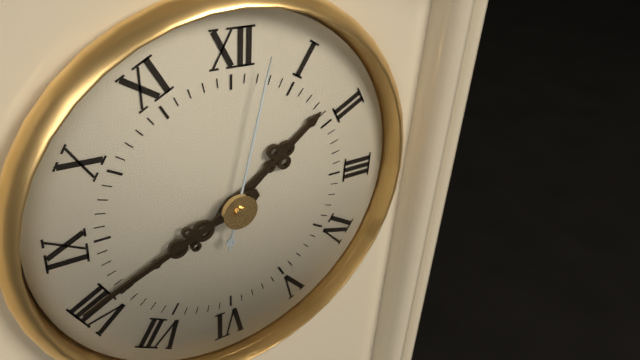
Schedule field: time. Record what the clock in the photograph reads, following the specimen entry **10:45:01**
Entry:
**1:41:02**
